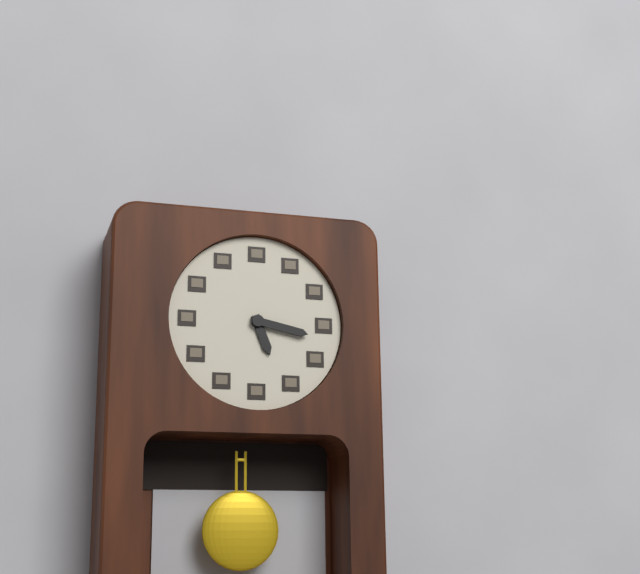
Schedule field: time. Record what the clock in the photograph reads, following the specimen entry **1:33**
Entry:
**5:17**
